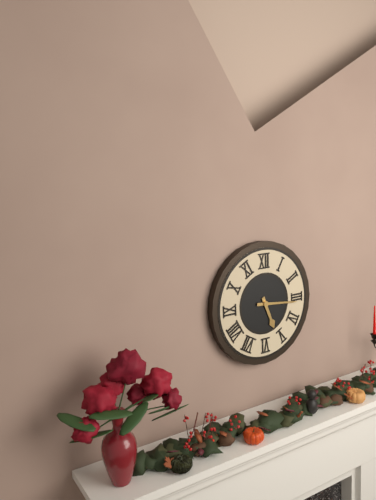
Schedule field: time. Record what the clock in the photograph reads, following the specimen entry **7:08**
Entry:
**5:16**
